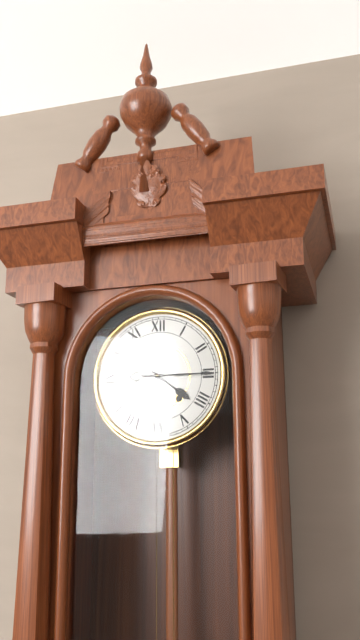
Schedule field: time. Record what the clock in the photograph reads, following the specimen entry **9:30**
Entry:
**4:15**
